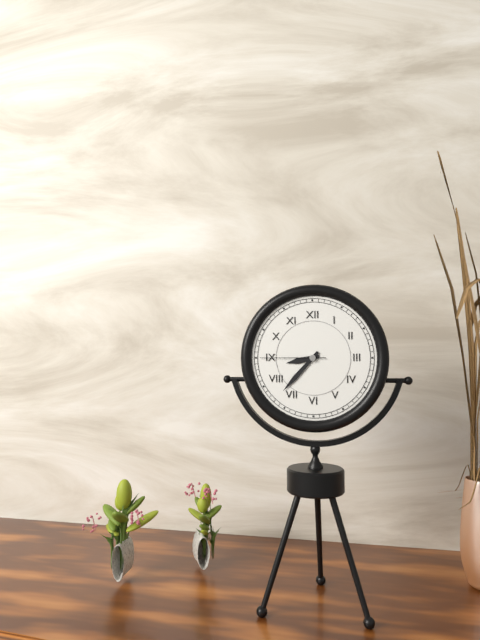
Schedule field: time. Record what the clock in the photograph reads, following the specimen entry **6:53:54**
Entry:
**8:37:45**
